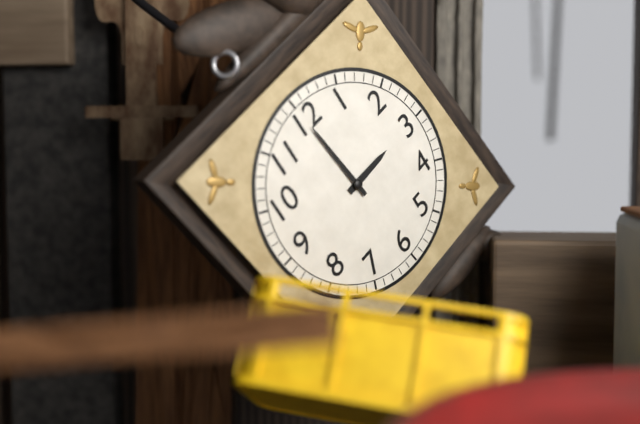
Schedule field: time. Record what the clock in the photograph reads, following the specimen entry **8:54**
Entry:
**3:00**
